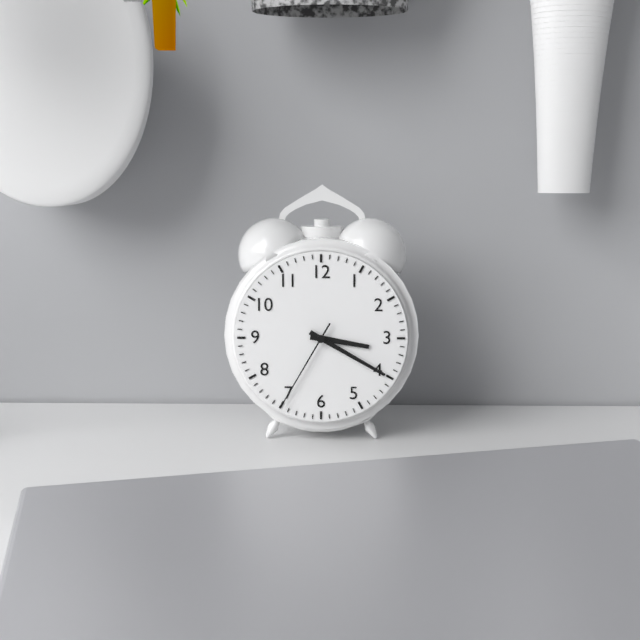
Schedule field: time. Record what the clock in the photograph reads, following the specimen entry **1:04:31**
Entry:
**3:20:35**
